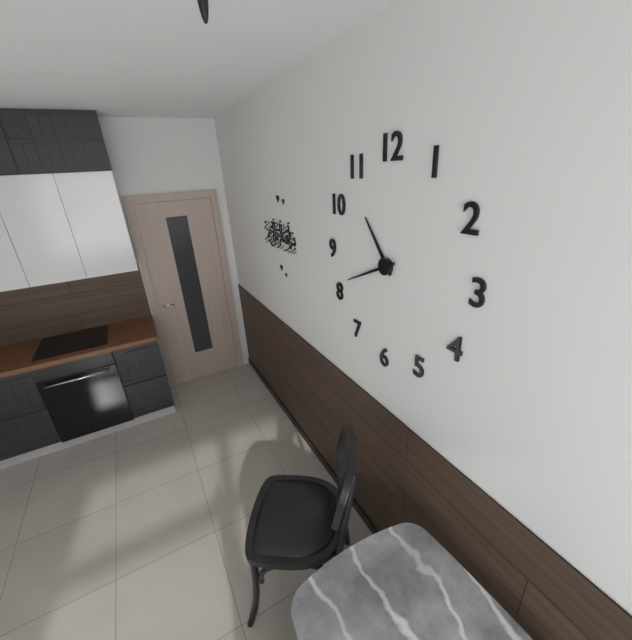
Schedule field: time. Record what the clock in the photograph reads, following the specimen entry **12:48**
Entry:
**10:41**
